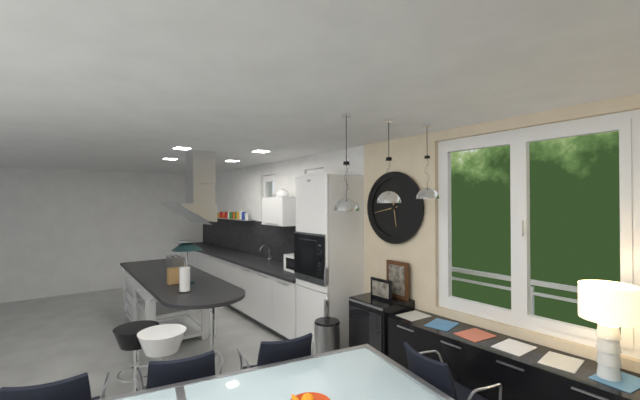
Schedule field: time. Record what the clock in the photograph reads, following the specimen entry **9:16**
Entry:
**5:43**
